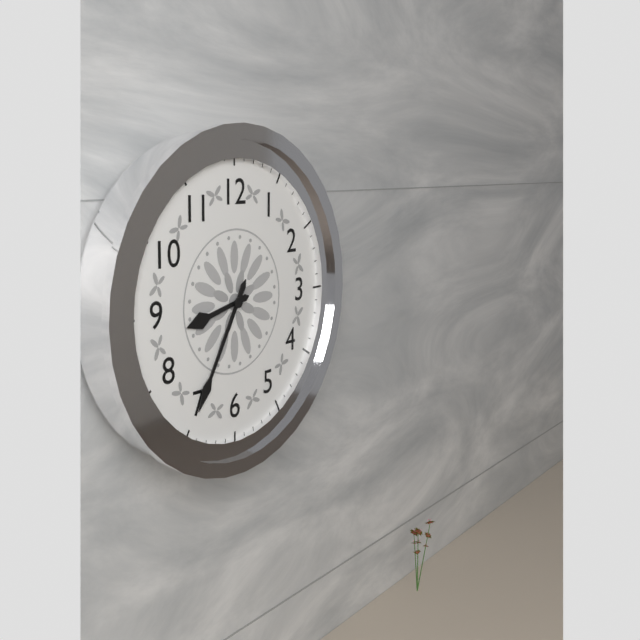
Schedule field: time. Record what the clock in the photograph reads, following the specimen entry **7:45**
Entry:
**8:35**
